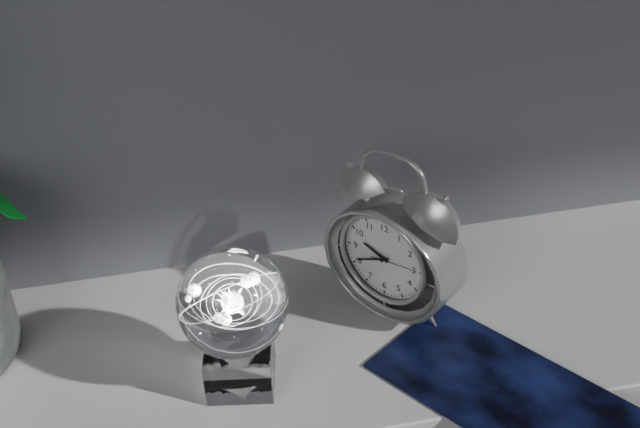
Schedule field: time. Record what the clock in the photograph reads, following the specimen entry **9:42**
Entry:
**9:41**
